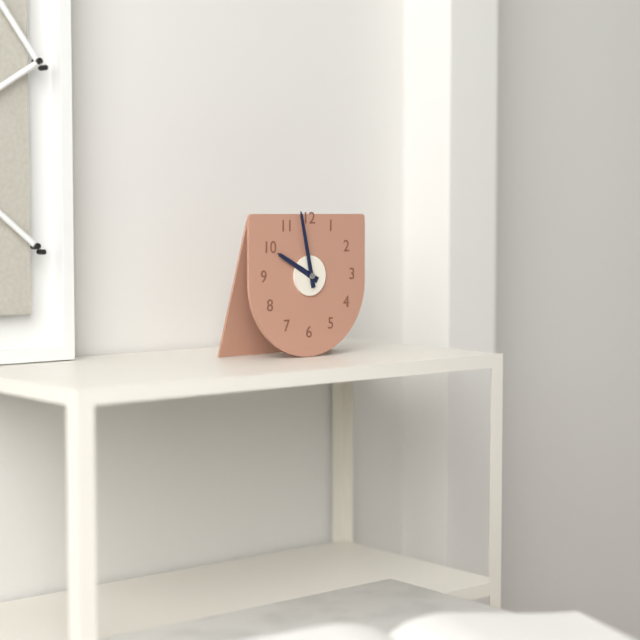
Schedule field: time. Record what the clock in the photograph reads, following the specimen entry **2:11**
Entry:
**9:58**
